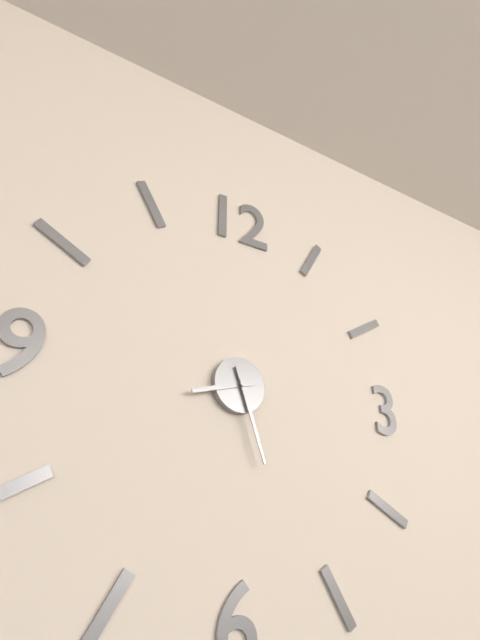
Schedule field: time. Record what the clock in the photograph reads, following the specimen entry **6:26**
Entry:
**8:27**
